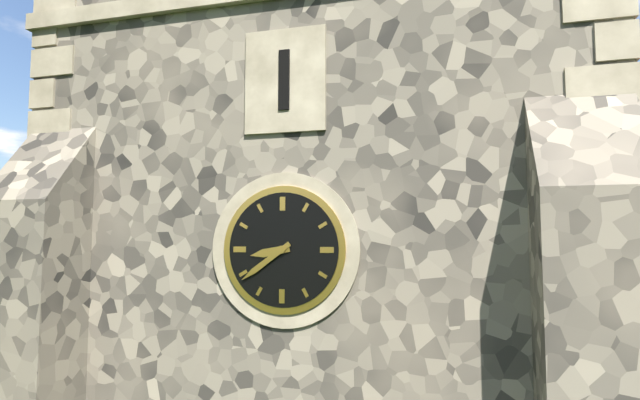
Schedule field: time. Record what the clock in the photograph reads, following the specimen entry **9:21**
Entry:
**8:39**
